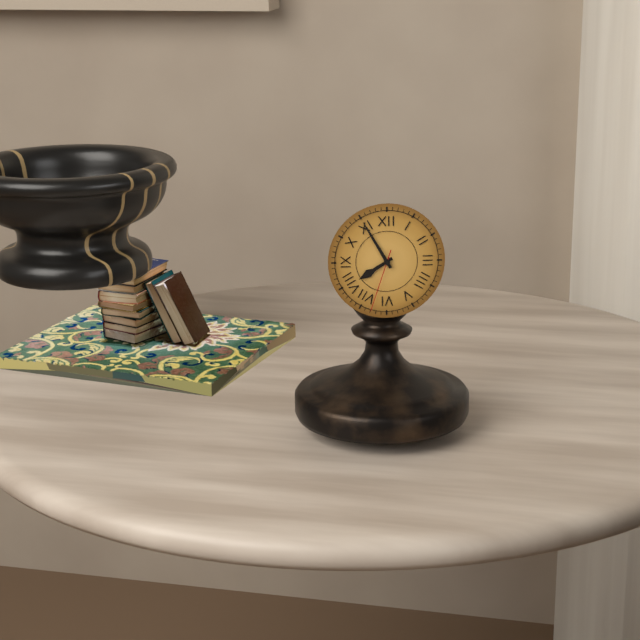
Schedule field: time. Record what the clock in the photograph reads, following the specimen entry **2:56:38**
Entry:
**7:55:33**
